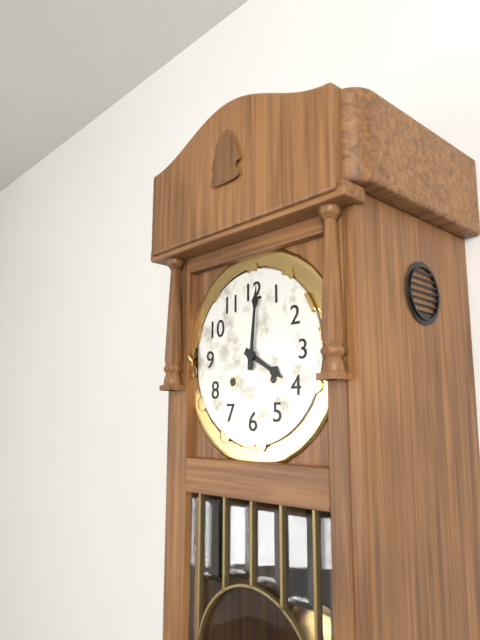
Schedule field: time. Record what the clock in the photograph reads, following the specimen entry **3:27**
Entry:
**4:01**
